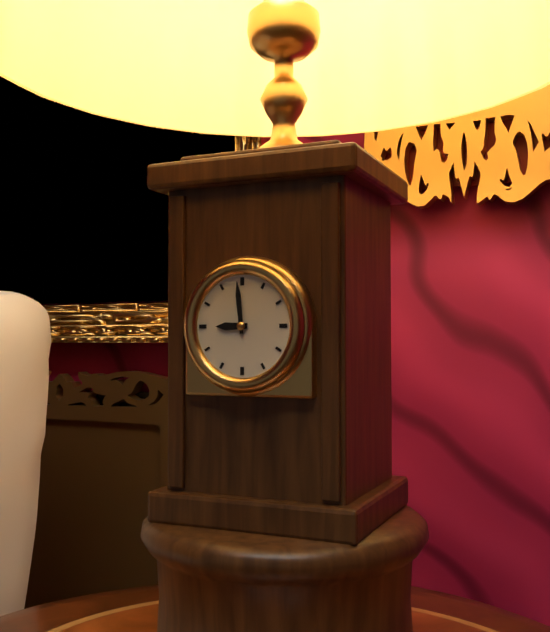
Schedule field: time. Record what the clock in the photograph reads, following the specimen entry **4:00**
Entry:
**8:59**
